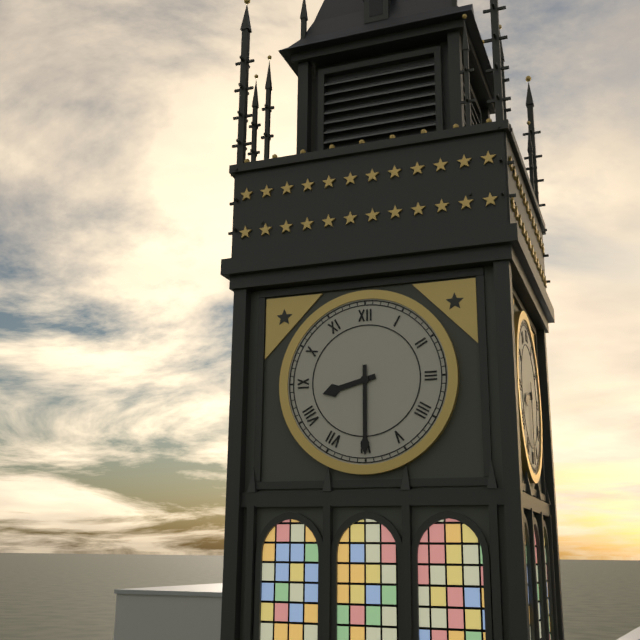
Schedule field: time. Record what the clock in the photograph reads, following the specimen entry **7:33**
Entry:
**8:30**
